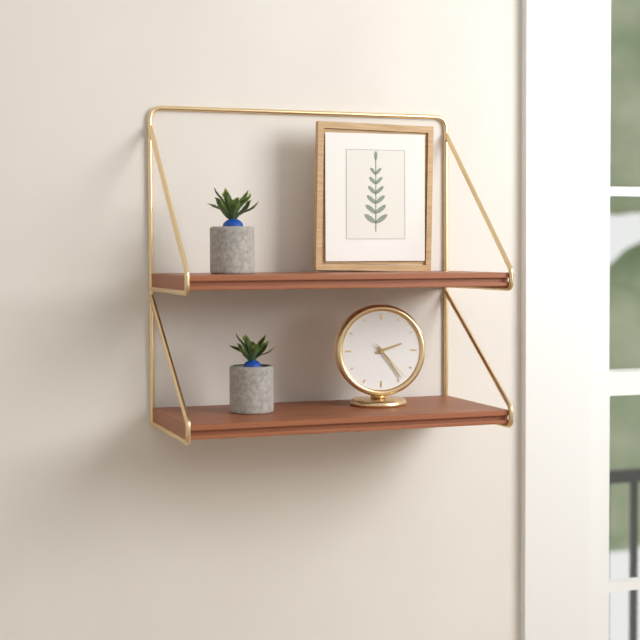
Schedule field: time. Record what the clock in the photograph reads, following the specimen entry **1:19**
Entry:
**2:24**
